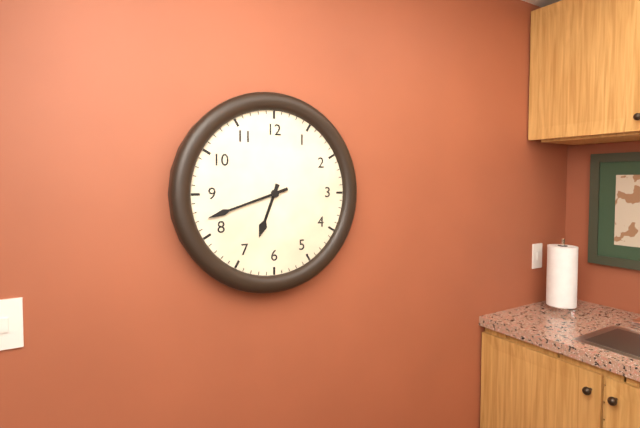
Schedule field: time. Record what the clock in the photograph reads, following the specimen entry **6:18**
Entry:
**6:42**
